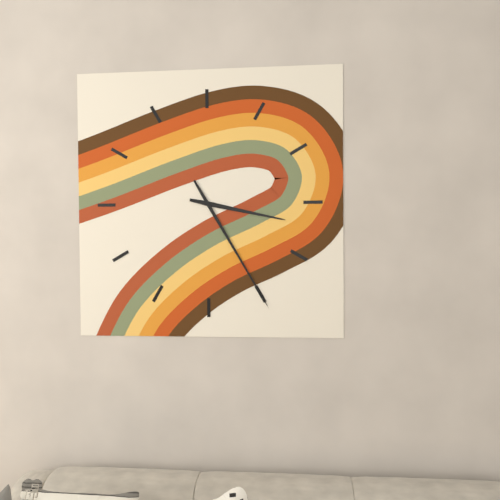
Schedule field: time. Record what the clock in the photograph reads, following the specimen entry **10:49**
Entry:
**3:25**
